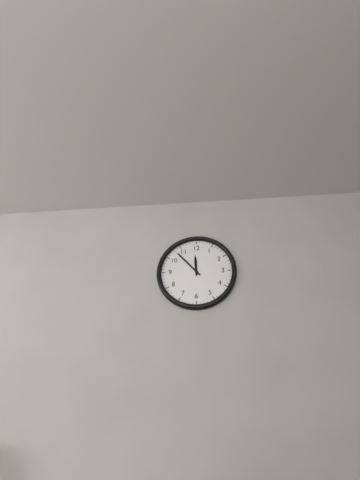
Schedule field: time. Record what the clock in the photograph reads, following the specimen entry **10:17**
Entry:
**11:53**
